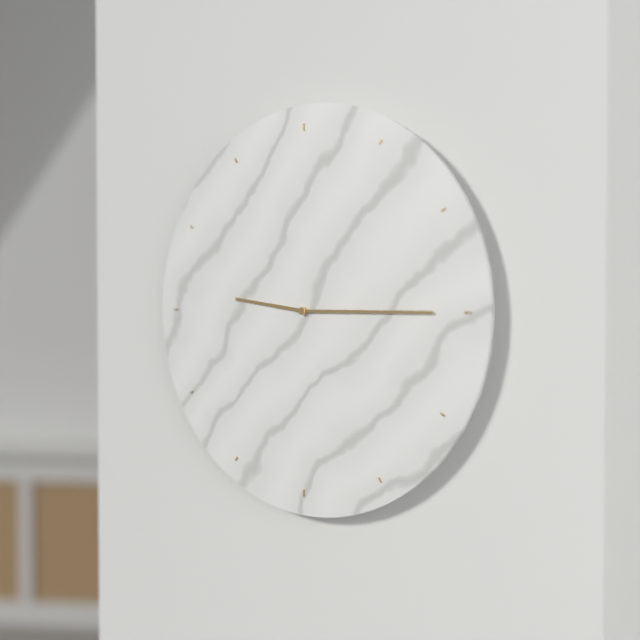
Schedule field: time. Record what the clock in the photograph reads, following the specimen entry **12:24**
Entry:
**9:15**
